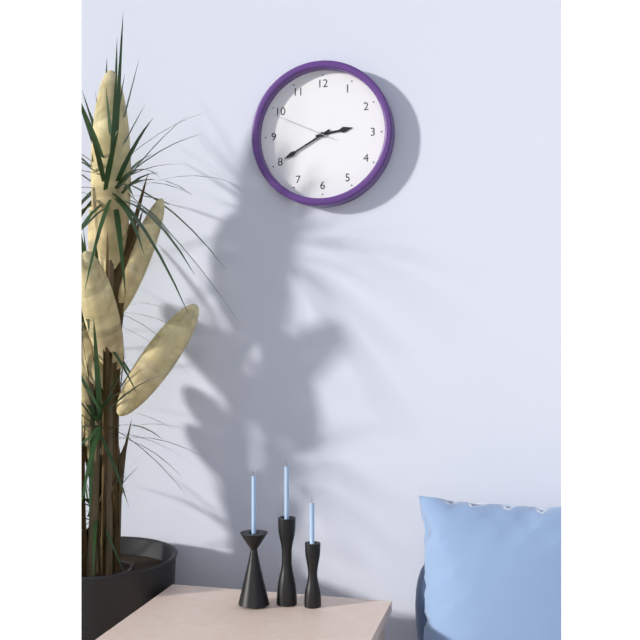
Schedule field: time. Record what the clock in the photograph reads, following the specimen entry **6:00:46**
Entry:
**2:40:49**
